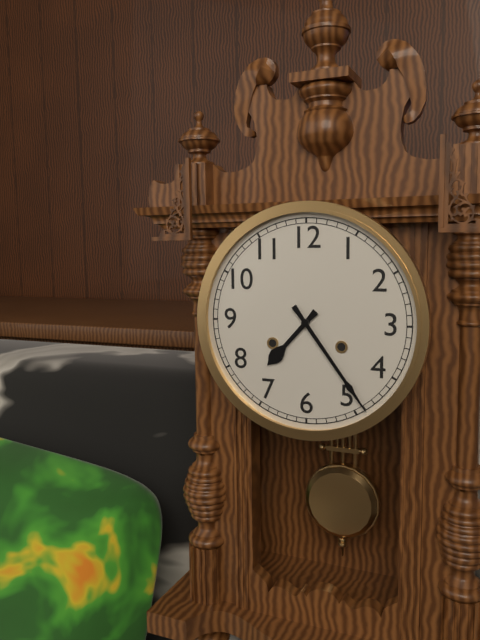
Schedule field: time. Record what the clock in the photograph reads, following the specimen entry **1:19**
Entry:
**7:24**
